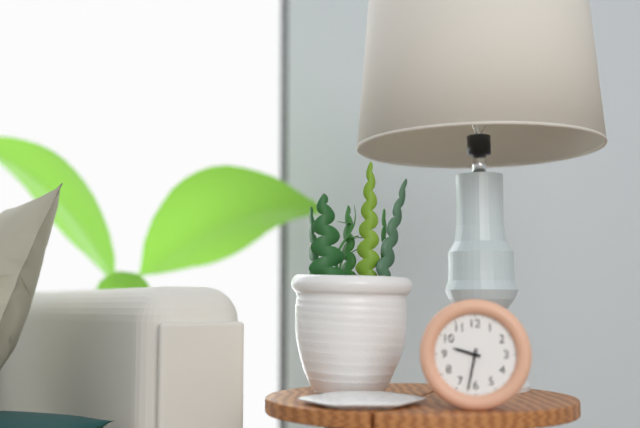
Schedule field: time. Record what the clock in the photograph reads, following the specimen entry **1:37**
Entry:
**9:32**
